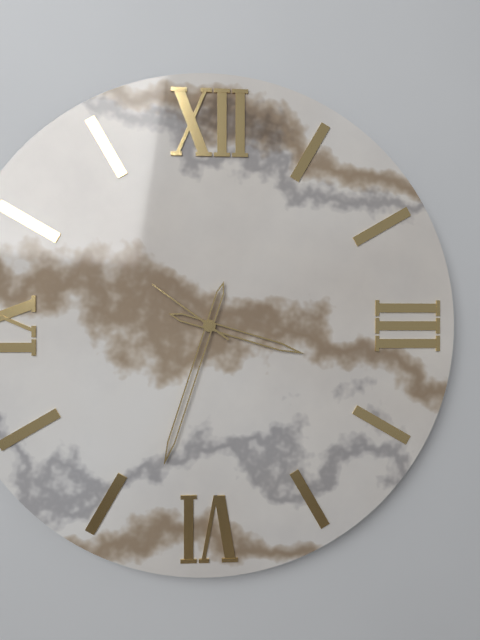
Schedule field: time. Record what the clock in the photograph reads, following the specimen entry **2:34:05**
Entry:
**3:33:51**
